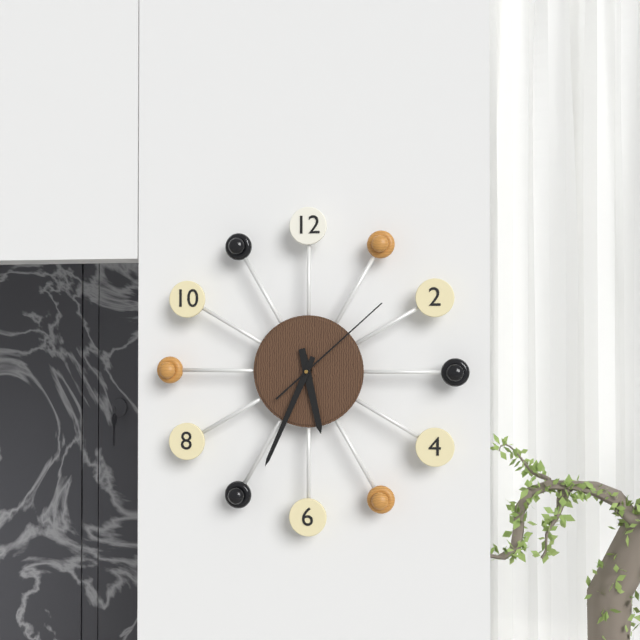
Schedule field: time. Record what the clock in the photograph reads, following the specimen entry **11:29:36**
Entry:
**5:34:08**
